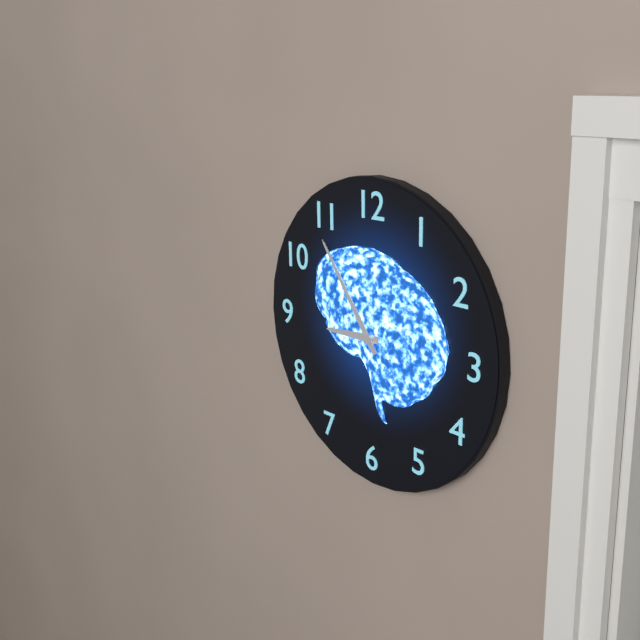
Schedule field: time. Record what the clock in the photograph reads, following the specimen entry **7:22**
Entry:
**8:54**
